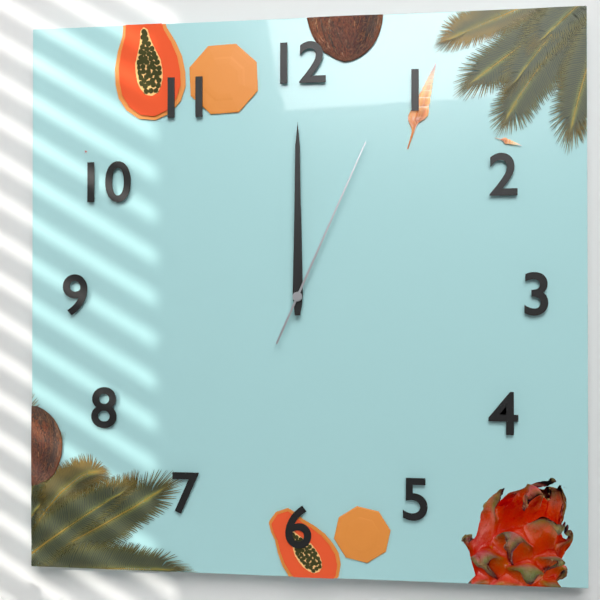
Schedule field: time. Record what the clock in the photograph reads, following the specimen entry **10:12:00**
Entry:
**12:00:04**
